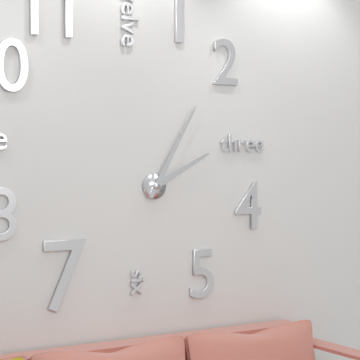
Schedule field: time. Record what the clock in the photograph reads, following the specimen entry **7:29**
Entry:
**2:05**
